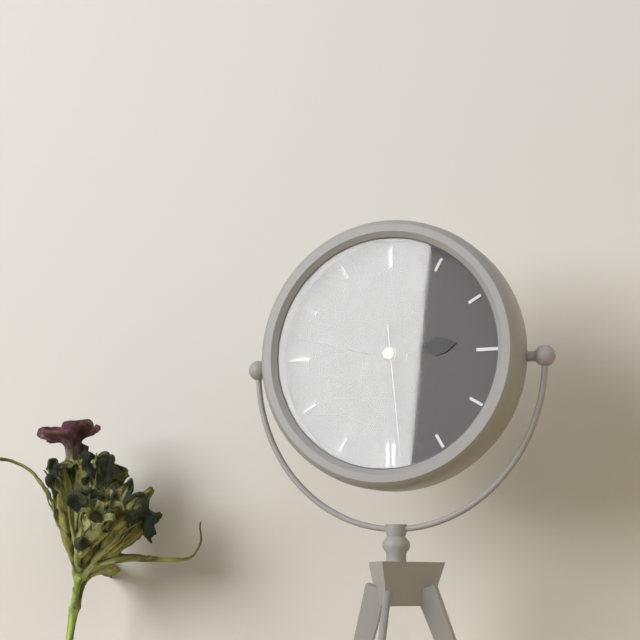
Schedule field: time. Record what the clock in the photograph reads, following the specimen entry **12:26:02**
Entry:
**2:47:29**
